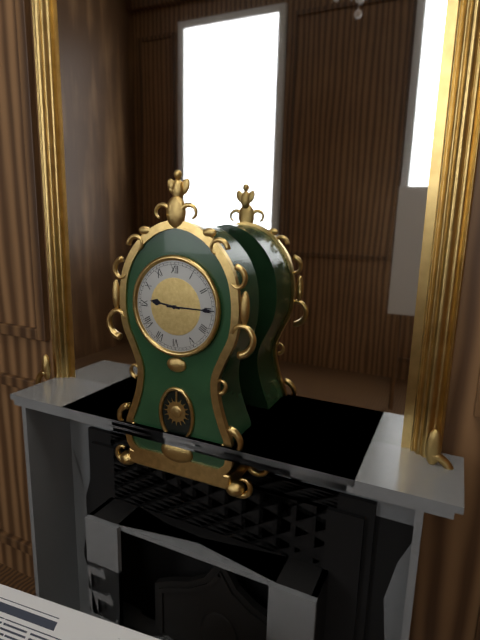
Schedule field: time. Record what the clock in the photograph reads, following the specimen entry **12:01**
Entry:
**9:15**
